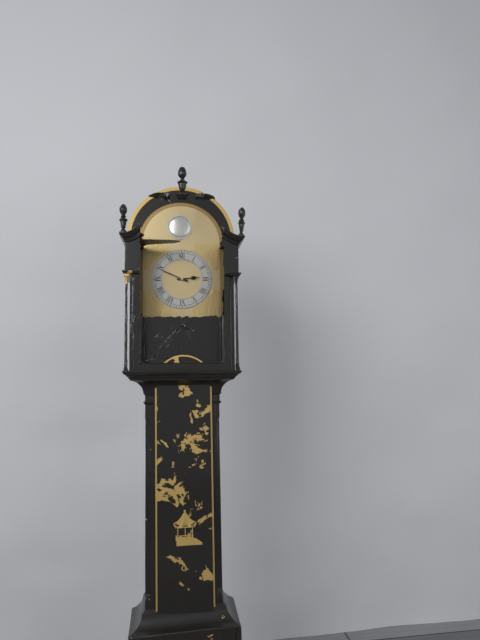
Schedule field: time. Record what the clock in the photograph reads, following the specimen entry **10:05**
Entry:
**2:49**
